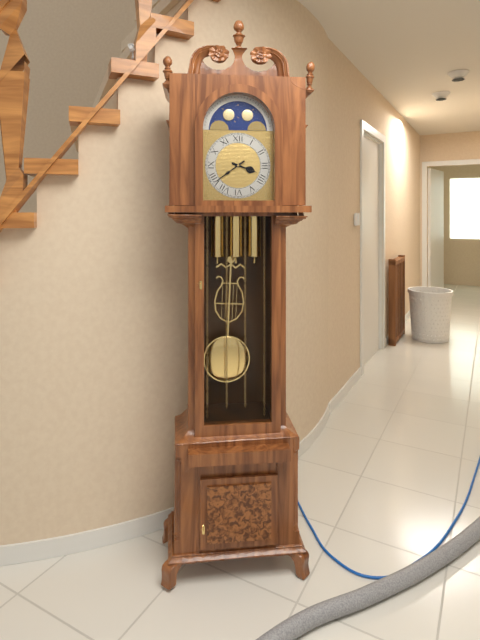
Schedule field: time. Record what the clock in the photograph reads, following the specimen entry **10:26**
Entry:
**3:39**
